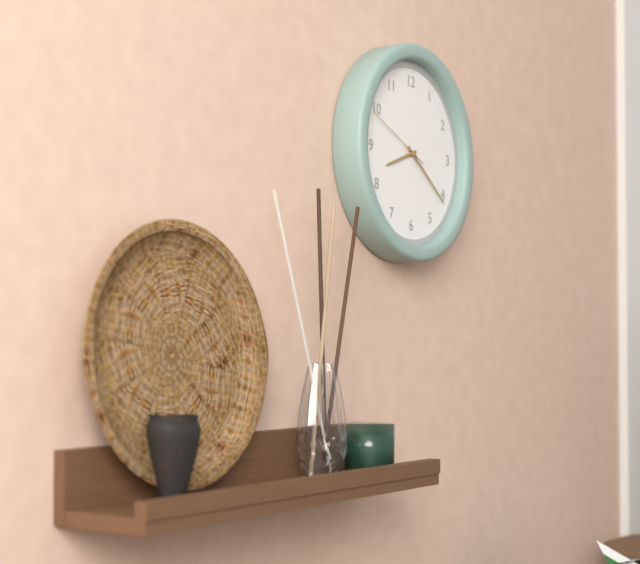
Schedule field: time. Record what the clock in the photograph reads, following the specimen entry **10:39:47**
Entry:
**8:21:49**
